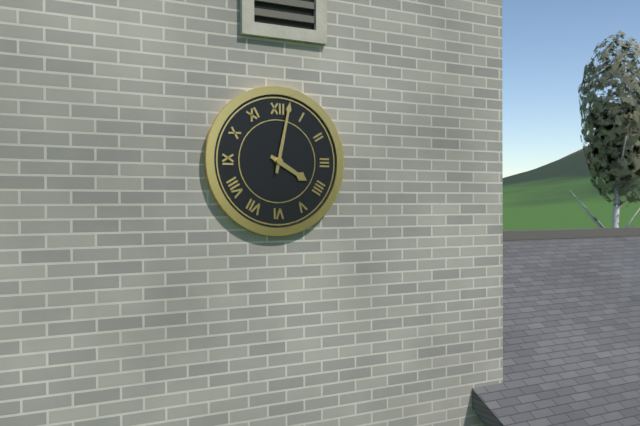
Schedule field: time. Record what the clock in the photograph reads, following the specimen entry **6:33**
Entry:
**4:02**
